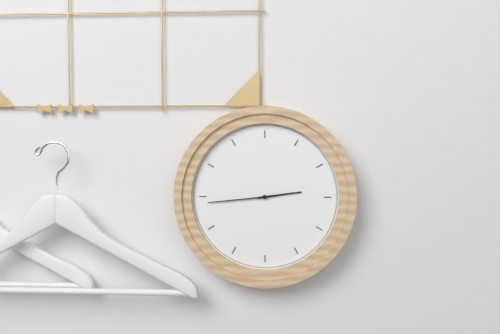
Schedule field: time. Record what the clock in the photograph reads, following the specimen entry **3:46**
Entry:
**2:44**
